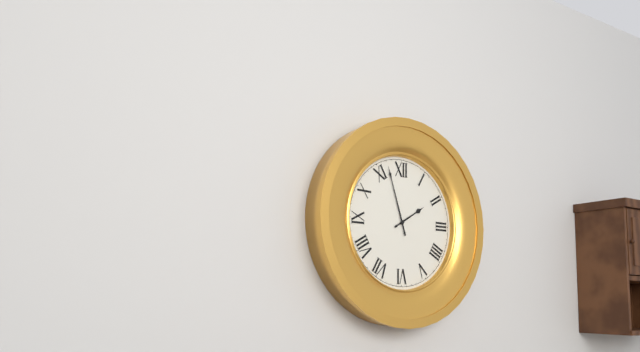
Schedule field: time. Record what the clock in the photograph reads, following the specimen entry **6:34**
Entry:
**1:57**
